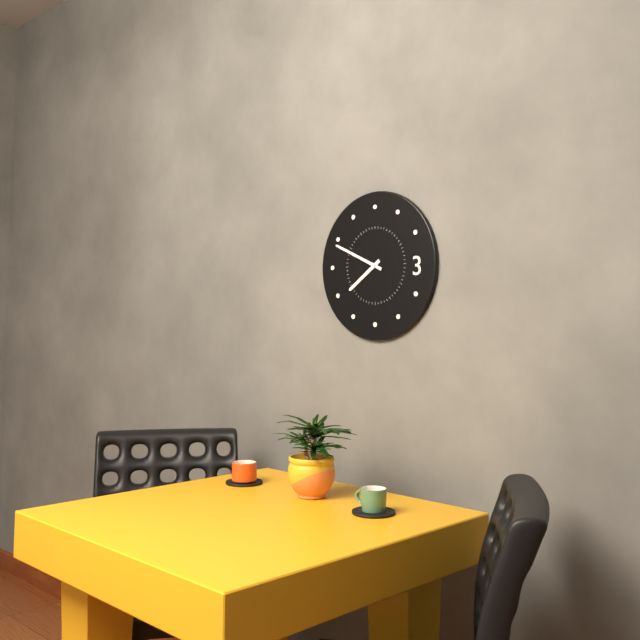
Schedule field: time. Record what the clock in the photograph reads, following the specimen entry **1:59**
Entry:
**7:49**
